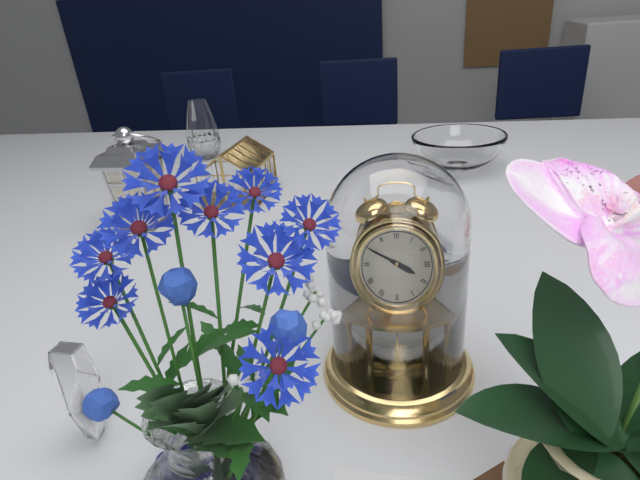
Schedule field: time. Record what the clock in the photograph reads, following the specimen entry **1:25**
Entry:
**3:50**
